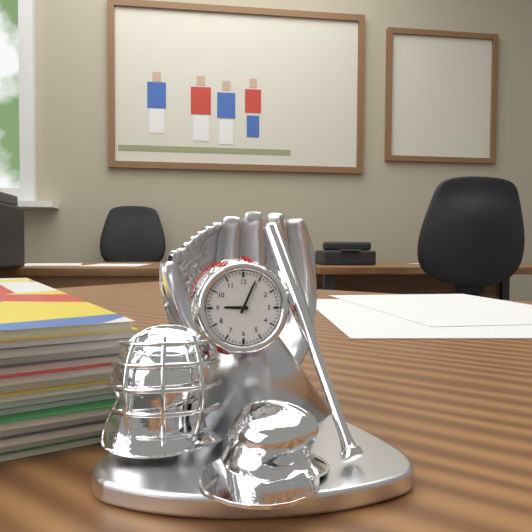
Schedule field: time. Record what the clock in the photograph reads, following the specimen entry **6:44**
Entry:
**9:04**
